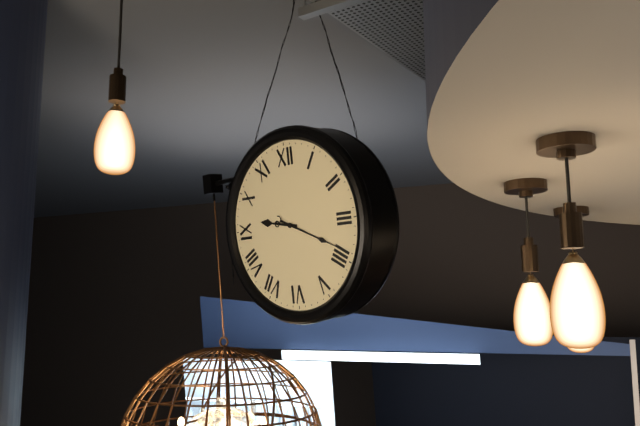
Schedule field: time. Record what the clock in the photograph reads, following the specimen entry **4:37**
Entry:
**9:19**
